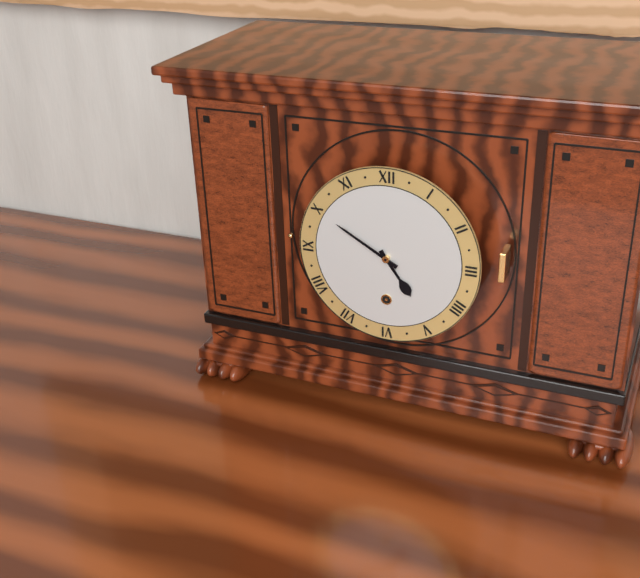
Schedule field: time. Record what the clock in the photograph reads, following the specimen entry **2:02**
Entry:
**4:50**
